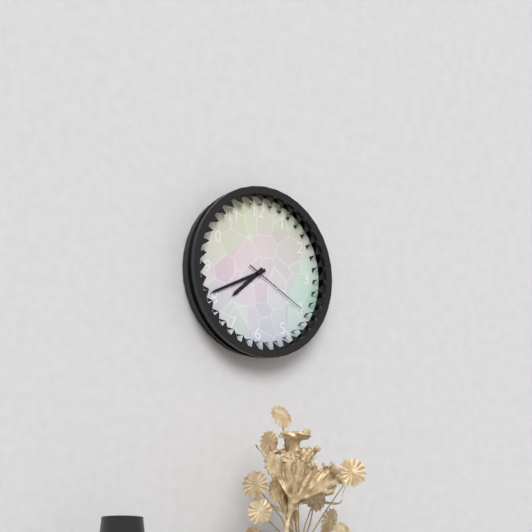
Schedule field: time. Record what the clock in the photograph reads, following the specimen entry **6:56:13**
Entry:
**7:41:20**
